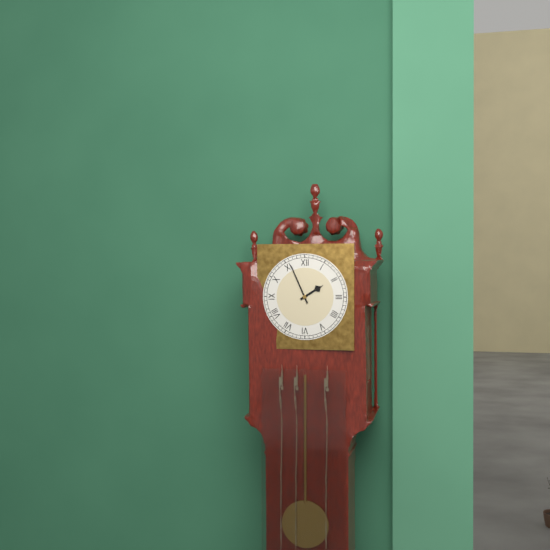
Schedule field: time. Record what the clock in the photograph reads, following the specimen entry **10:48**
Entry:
**1:56**
